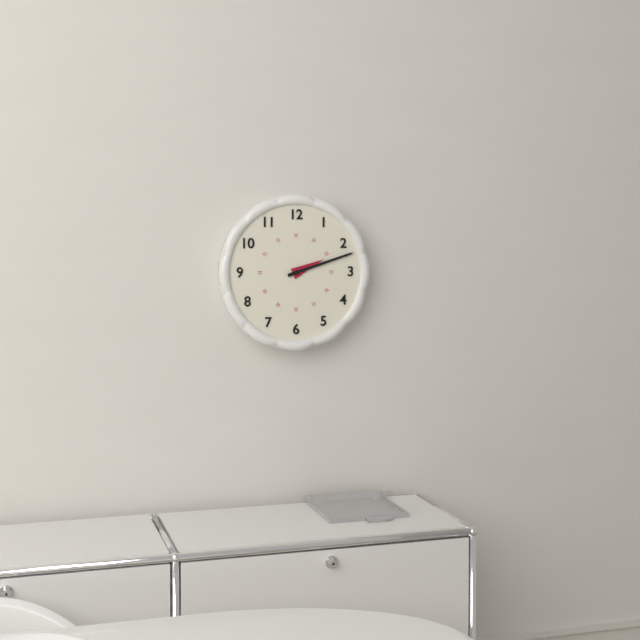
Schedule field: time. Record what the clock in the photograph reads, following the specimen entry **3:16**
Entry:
**2:12**
